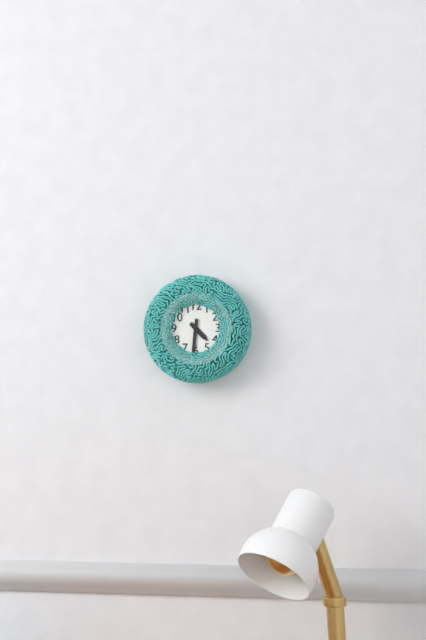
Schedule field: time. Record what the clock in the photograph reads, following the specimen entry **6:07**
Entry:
**4:31**
